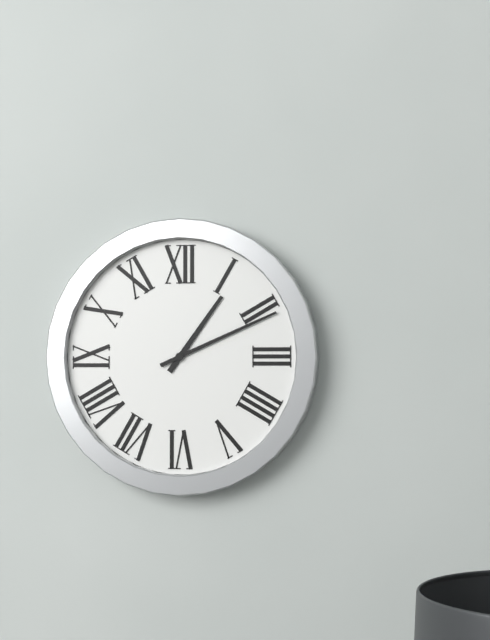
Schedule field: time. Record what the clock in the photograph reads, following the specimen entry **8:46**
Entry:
**1:11**
